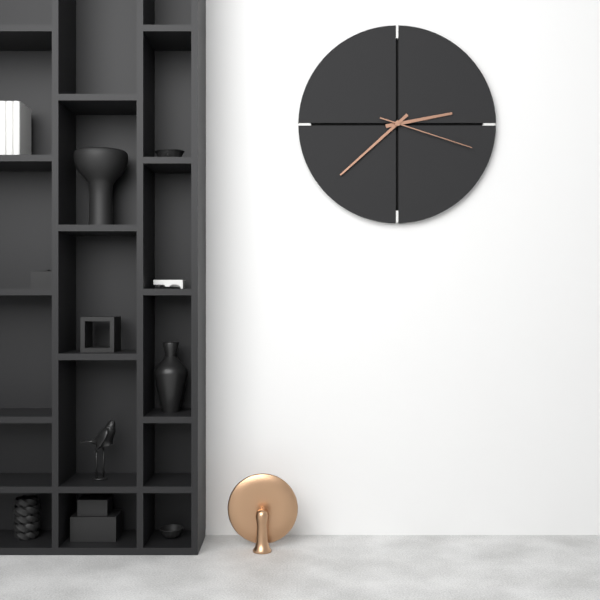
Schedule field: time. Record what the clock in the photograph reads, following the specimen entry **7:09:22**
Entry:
**2:38:18**
